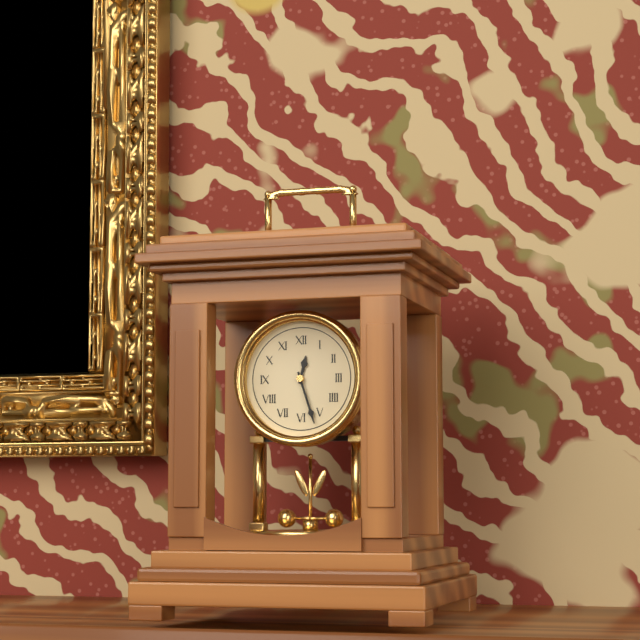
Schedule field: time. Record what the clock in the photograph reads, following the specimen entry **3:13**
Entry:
**12:27**
